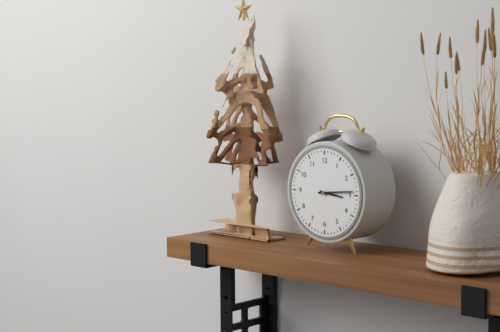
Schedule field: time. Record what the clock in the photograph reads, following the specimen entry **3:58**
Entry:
**3:14**
